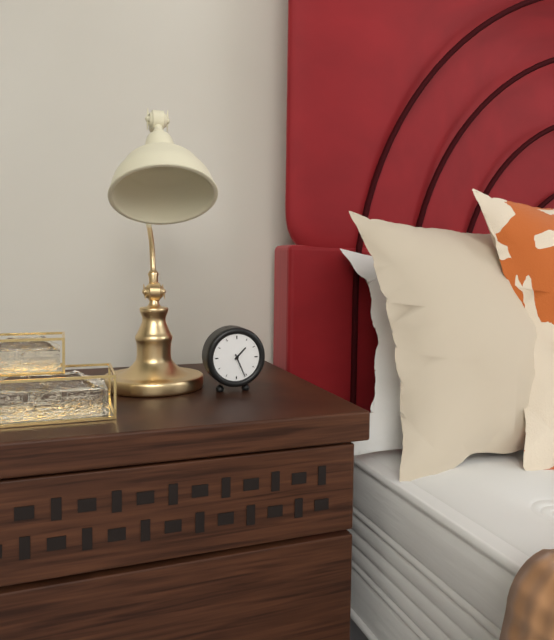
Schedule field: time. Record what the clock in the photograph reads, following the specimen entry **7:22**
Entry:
**1:26**
